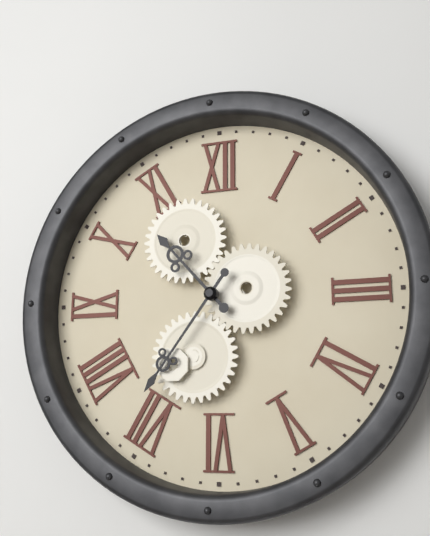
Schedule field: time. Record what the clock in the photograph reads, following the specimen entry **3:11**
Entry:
**10:36**
